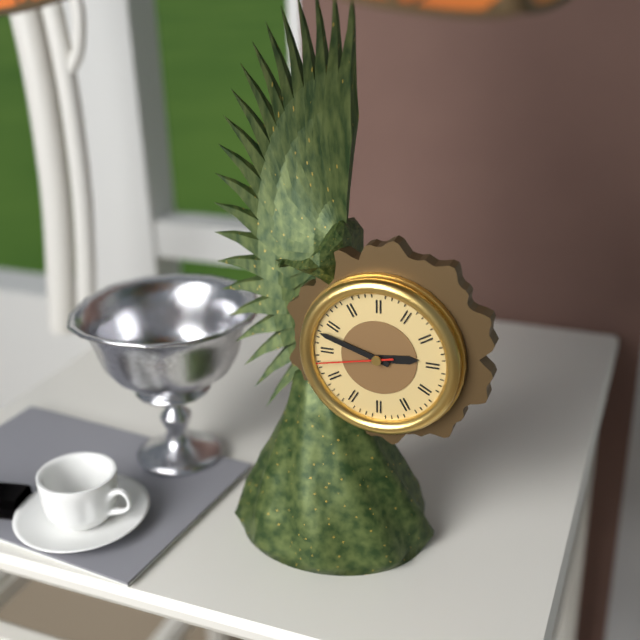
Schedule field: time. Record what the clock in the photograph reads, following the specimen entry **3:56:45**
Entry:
**2:48:43**
